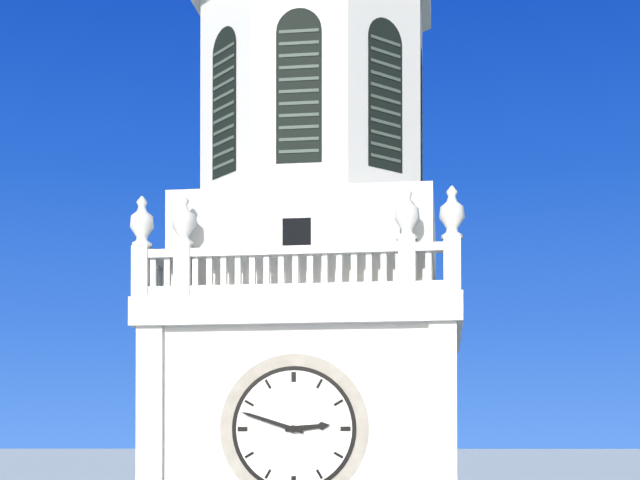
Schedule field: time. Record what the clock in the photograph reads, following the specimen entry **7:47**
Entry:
**2:48**
